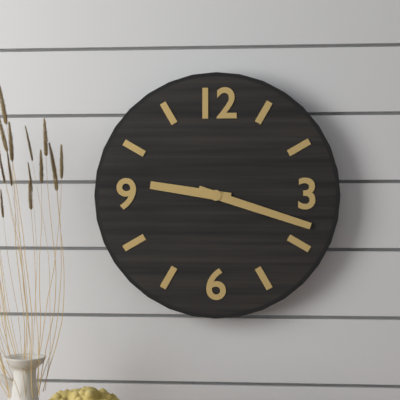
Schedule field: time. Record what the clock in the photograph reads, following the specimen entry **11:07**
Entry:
**9:18**
